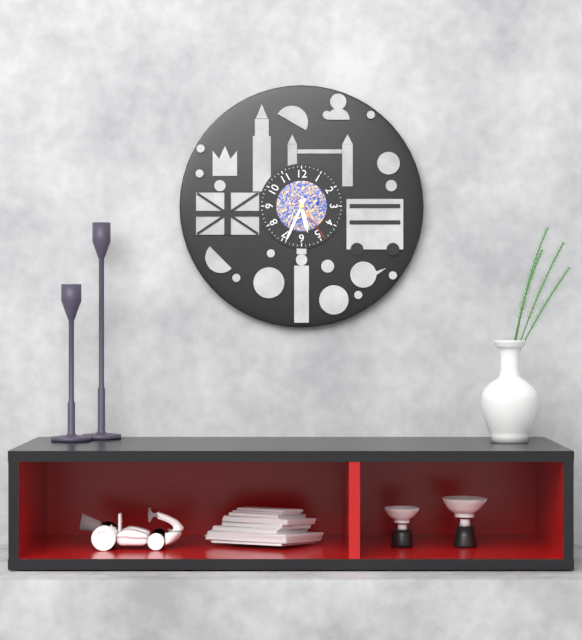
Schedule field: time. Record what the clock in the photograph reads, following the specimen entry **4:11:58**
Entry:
**5:34:24**
